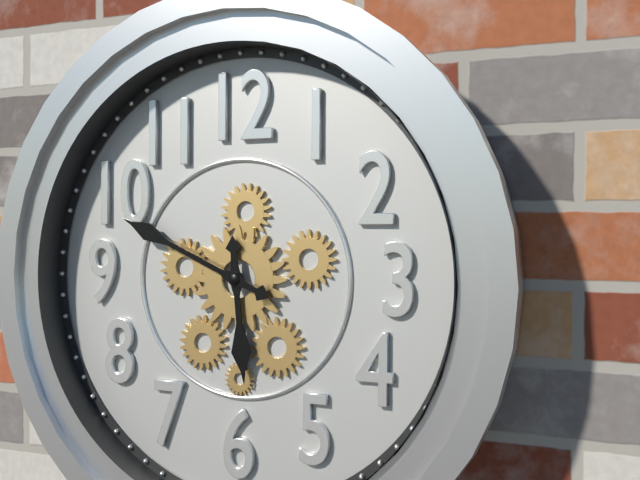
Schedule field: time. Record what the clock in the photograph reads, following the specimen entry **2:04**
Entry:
**5:49**
